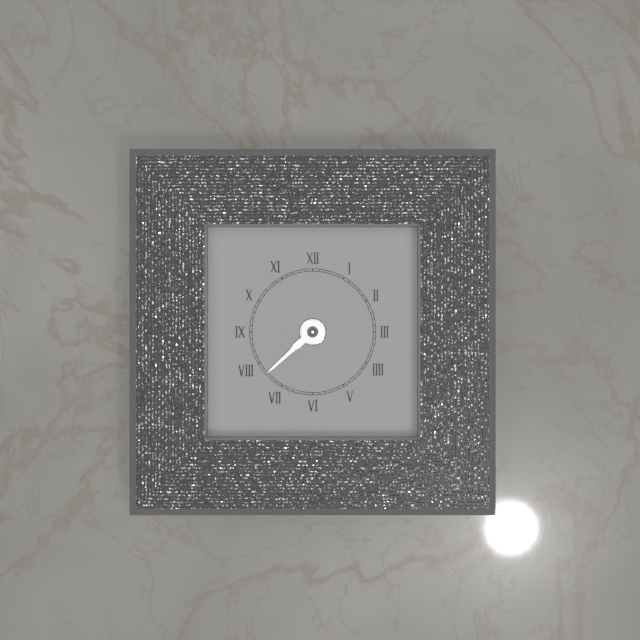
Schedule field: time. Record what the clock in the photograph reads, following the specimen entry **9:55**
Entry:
**7:38**
